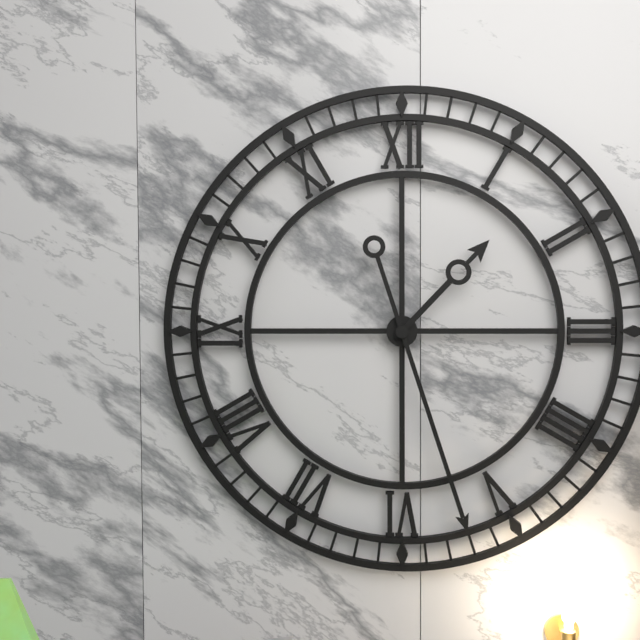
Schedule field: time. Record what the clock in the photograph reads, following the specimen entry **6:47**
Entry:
**1:27**
